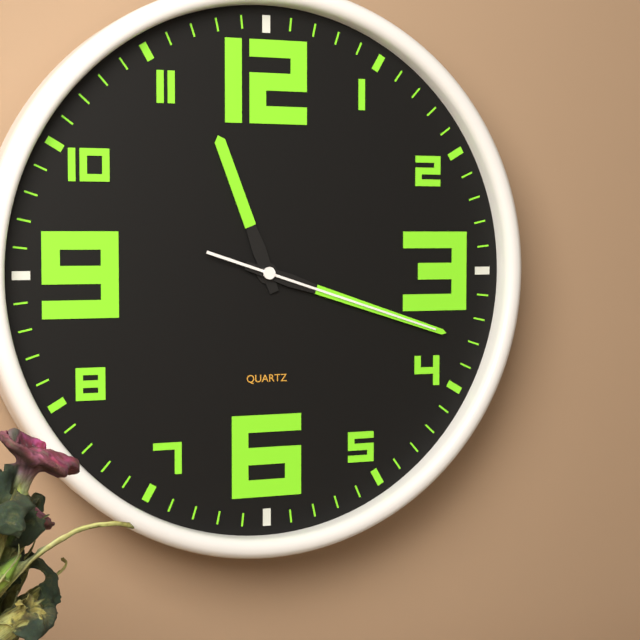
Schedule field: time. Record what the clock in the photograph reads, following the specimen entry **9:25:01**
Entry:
**11:18:18**
